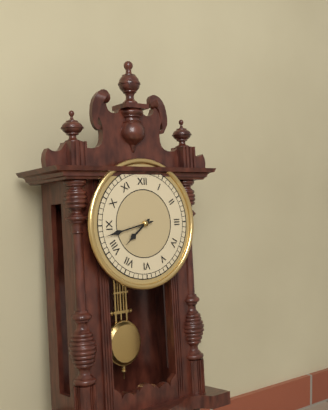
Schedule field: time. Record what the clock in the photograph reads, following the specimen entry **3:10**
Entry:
**7:43**
